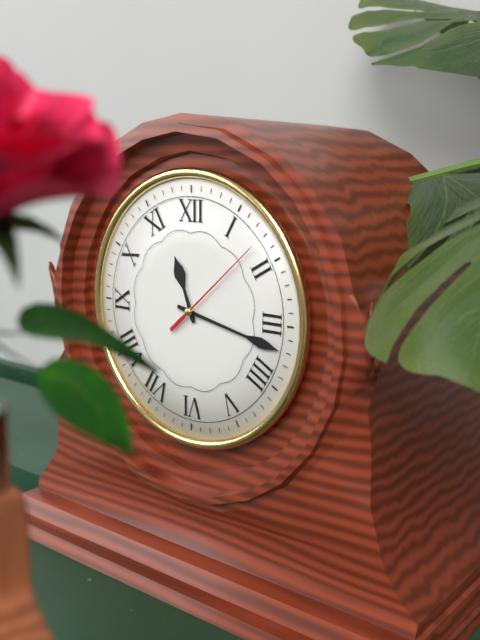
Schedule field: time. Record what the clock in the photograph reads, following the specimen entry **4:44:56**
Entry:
**11:17:08**
